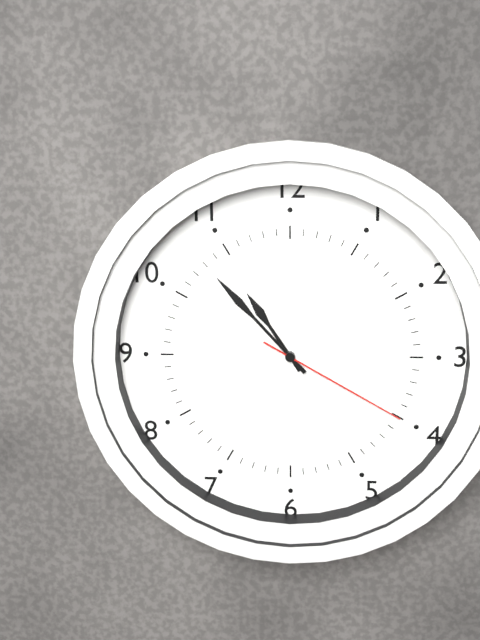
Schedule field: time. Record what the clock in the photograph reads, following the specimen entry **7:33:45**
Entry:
**10:53:20**
